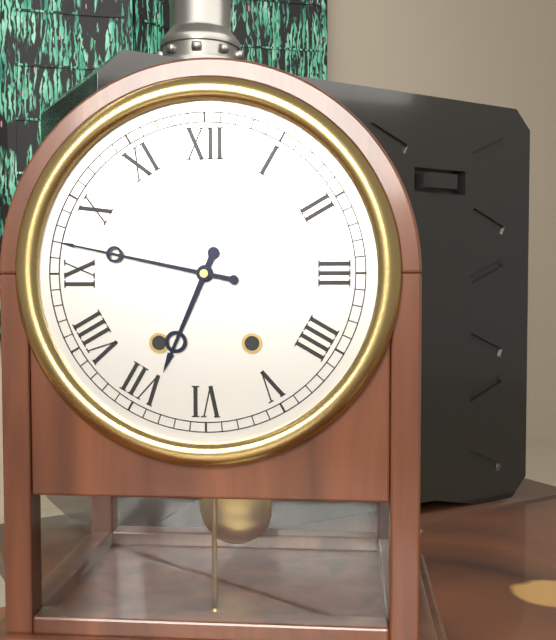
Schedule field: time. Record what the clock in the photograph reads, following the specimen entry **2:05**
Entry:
**6:47**
